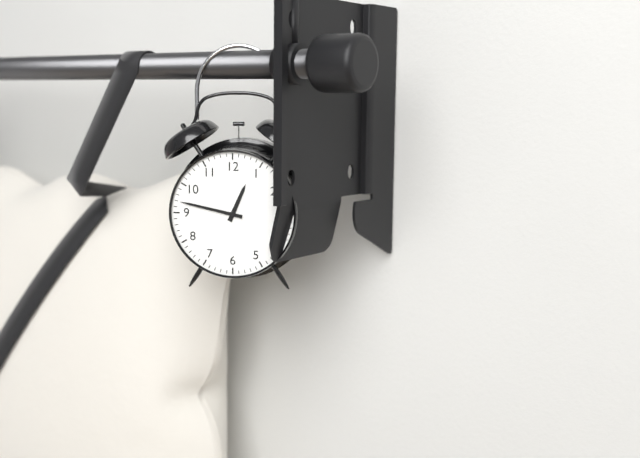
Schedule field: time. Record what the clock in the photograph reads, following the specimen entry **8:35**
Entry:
**12:47**
